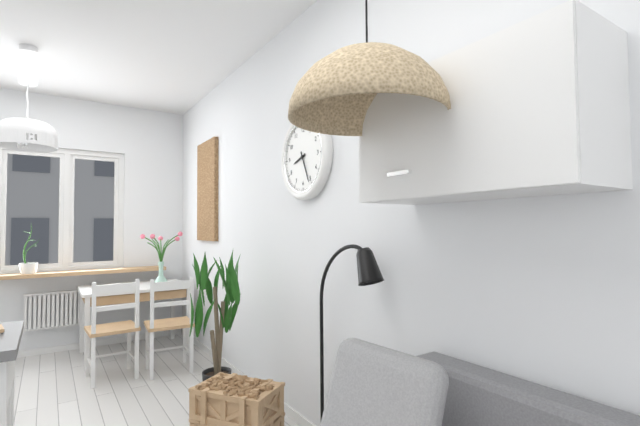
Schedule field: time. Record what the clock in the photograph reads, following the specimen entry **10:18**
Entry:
**8:26**
